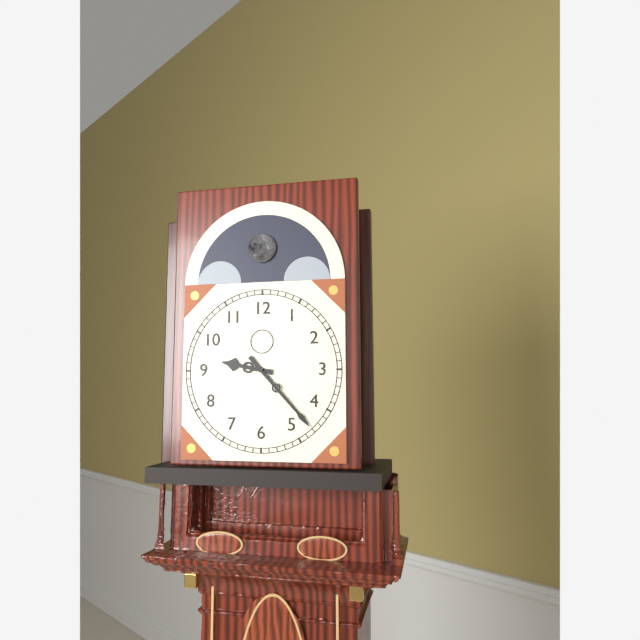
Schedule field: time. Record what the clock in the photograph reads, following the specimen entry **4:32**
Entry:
**9:23**
